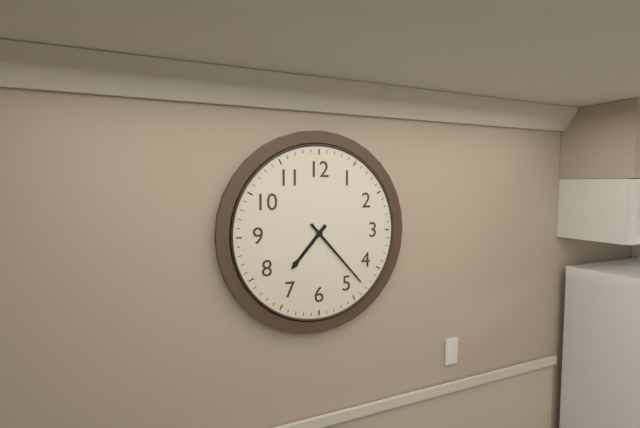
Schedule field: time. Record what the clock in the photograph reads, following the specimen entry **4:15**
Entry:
**7:23**
